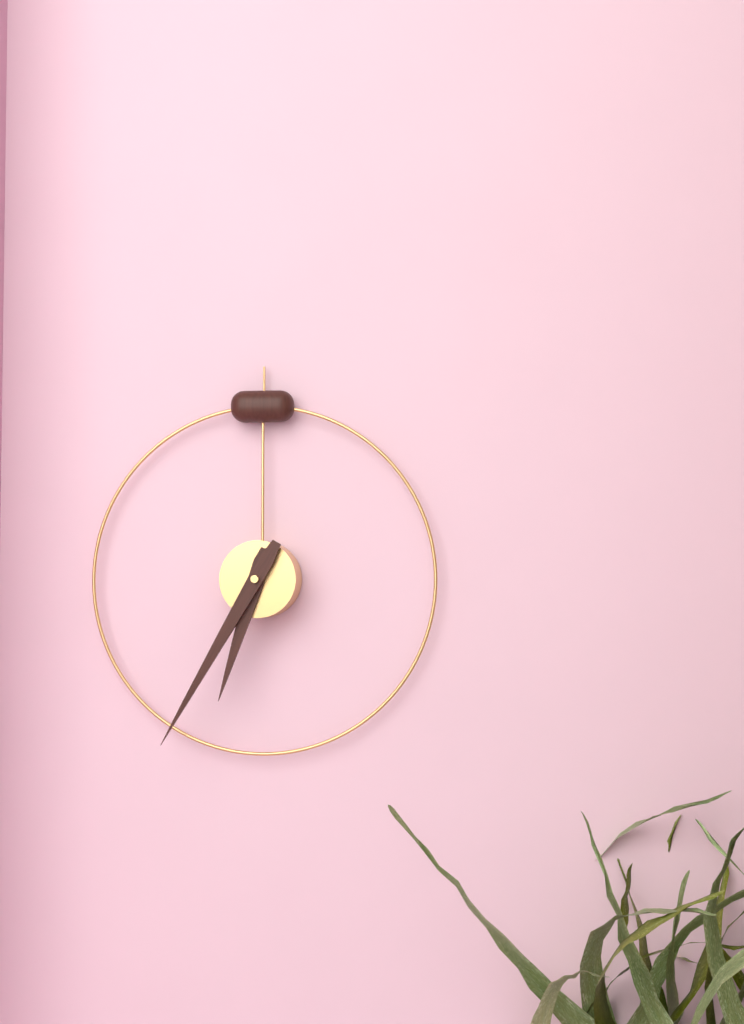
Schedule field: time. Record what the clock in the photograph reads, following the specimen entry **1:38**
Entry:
**6:35**
